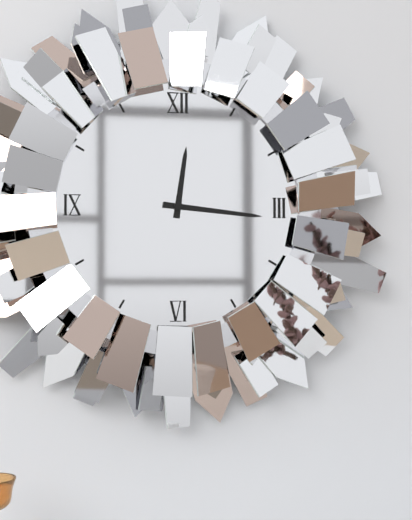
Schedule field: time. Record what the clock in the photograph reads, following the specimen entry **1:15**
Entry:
**12:16**
